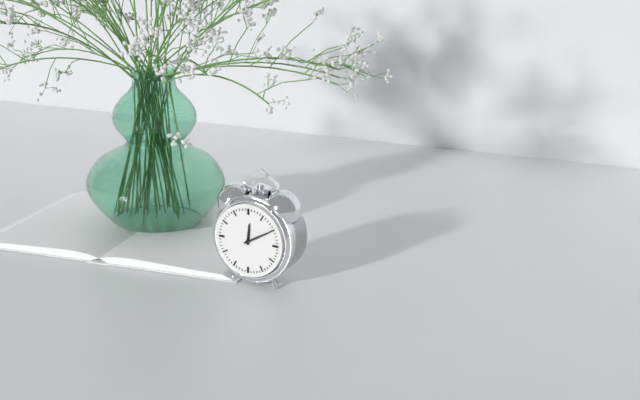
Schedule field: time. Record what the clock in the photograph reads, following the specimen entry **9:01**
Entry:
**12:10**
